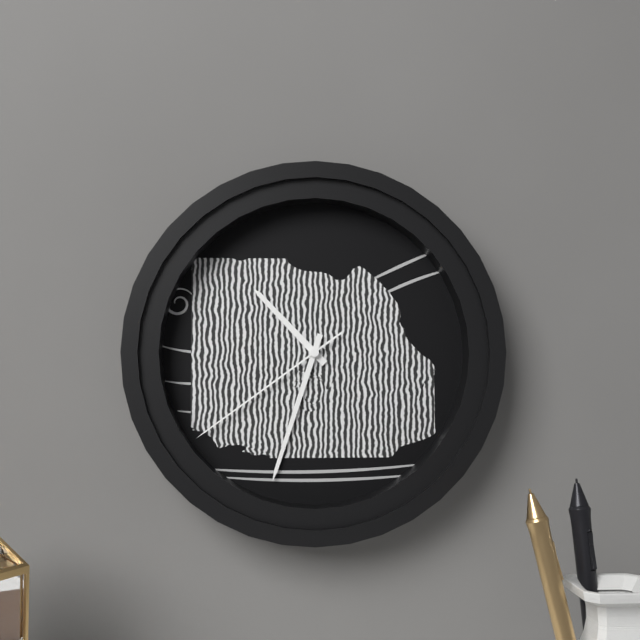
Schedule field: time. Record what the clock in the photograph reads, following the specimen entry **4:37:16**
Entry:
**10:33:39**
